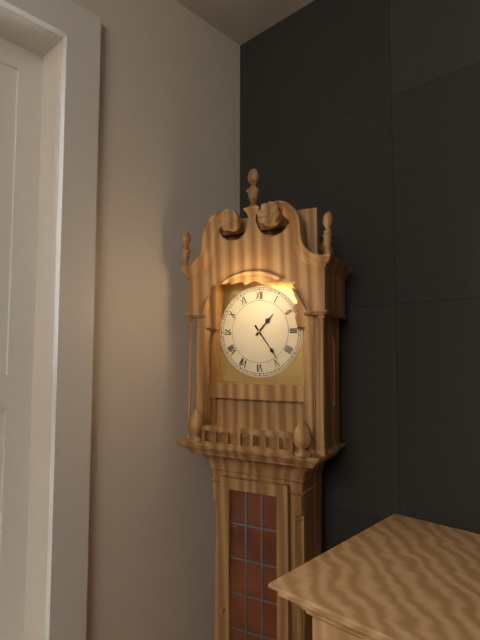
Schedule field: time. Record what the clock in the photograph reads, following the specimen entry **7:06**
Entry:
**1:24**
